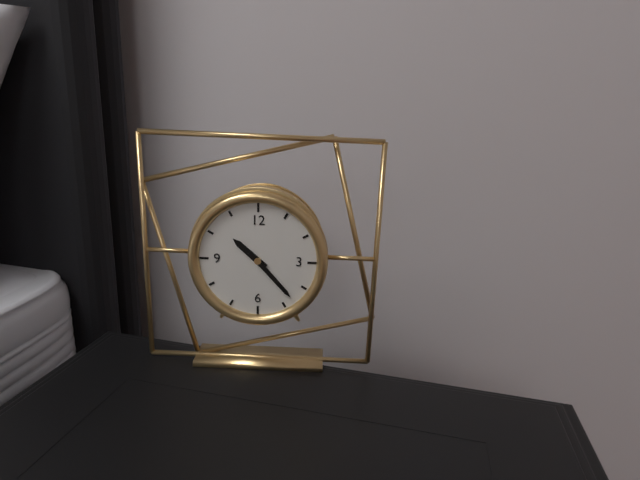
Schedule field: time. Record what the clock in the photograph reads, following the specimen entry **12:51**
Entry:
**10:23**
